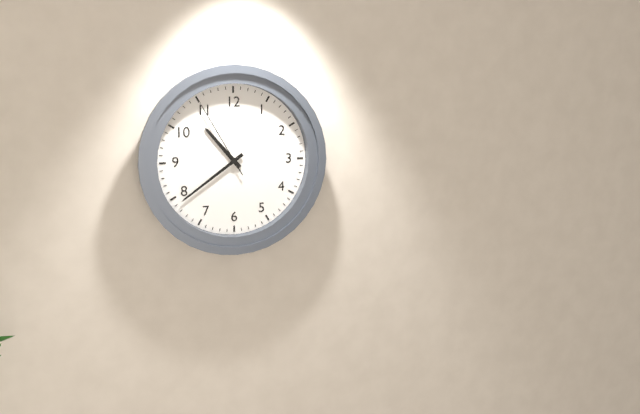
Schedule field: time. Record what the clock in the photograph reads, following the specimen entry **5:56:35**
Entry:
**10:39:55**
